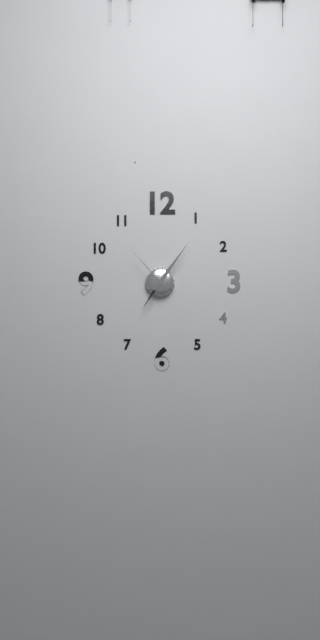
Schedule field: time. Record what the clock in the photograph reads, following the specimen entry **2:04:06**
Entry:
**7:06:53**
